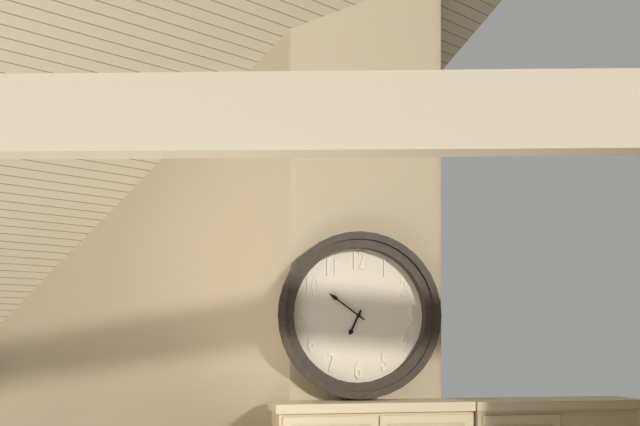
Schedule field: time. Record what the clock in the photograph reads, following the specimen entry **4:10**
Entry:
**6:51**
